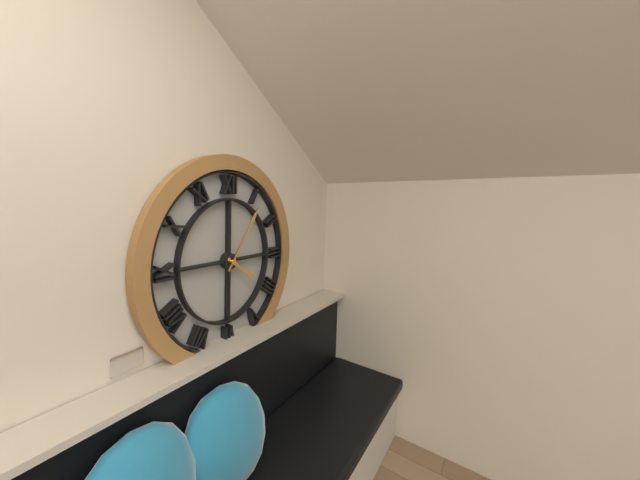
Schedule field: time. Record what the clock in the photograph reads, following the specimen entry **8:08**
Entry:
**4:06**
